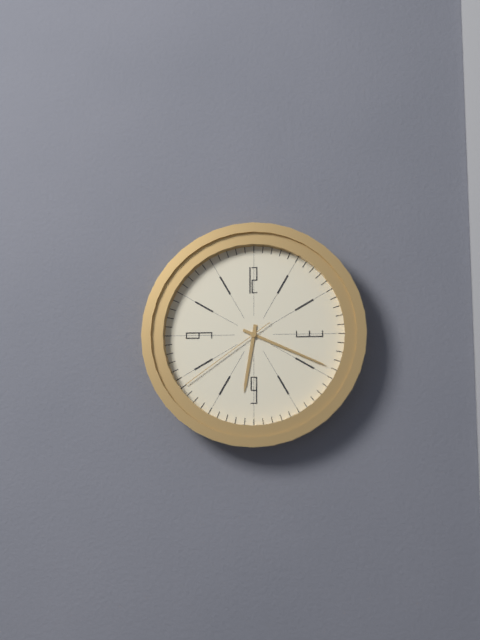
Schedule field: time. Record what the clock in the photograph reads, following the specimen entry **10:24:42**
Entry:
**6:19:39**
